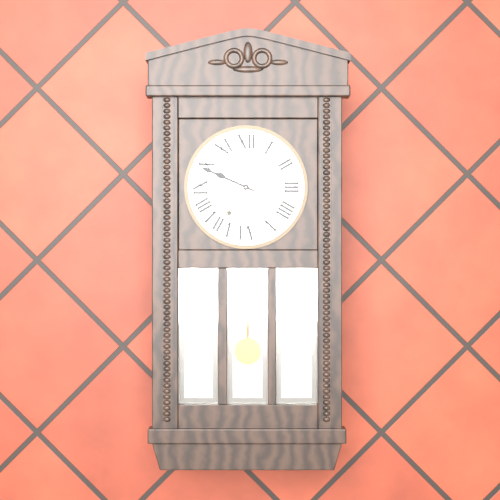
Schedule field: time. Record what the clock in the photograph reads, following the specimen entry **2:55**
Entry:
**9:49**
